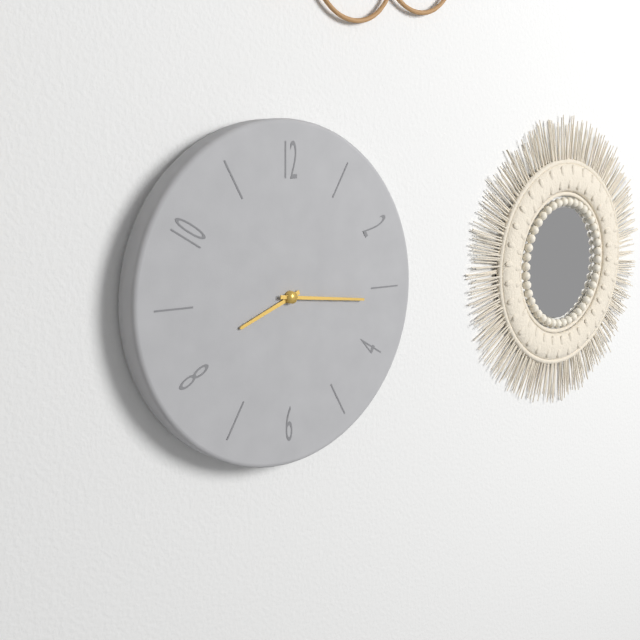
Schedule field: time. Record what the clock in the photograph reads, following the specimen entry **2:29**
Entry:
**8:16**
